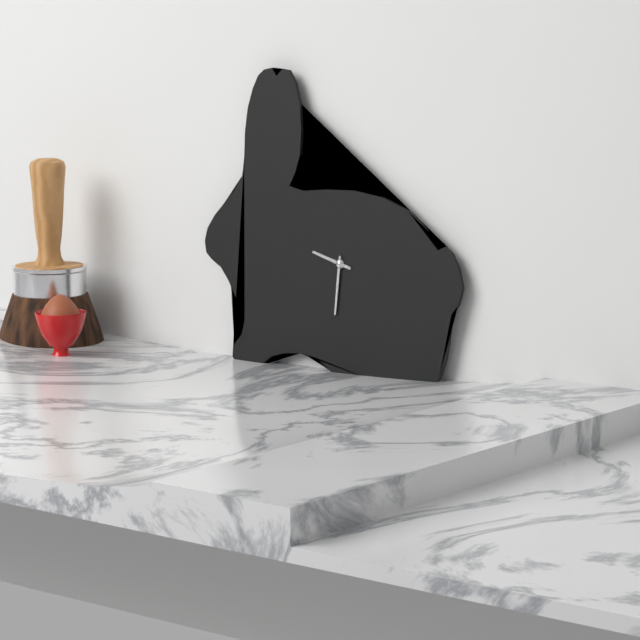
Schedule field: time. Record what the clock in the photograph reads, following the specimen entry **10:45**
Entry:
**9:31**
